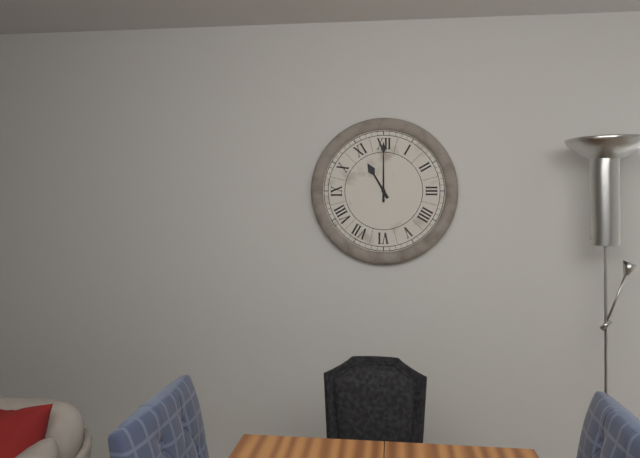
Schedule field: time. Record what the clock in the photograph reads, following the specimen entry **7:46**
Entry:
**11:00**
